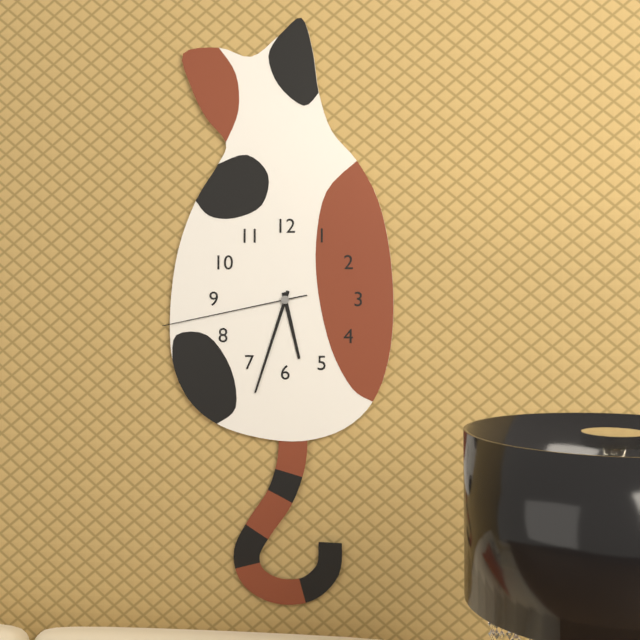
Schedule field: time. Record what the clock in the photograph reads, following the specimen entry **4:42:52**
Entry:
**5:33:43**
